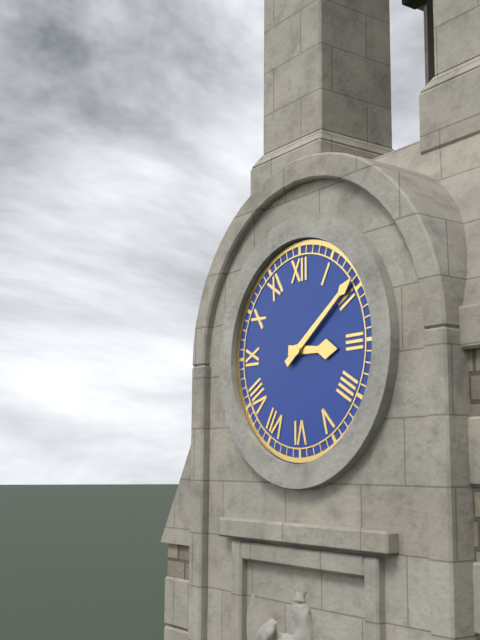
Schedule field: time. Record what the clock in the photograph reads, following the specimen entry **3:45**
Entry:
**3:09**
